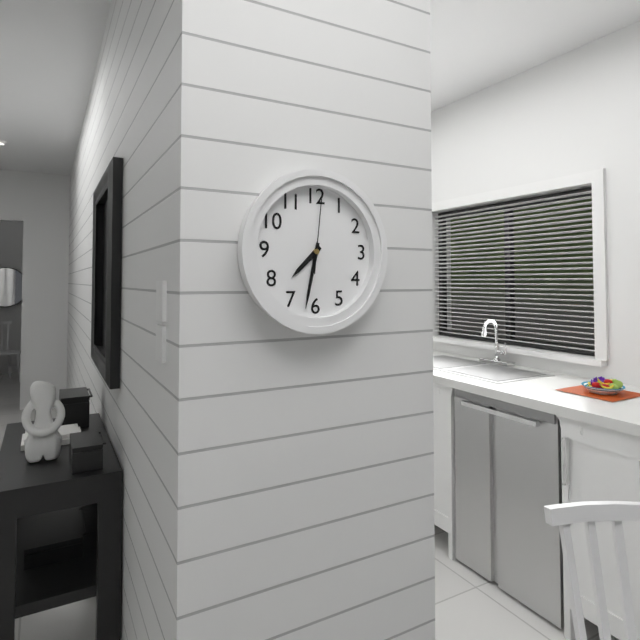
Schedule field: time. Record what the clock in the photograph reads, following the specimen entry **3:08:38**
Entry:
**7:32:01**
